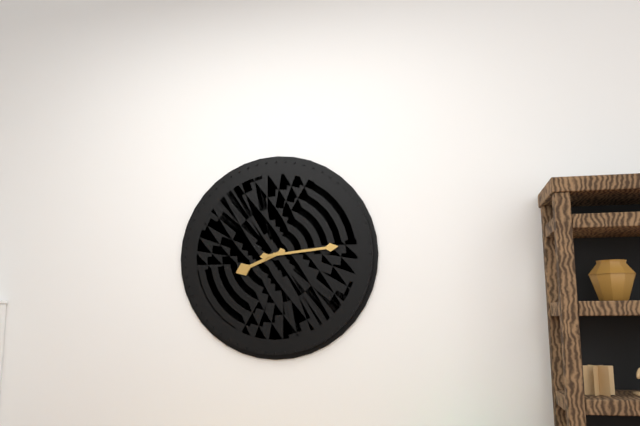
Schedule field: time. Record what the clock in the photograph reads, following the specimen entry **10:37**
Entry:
**8:14**
